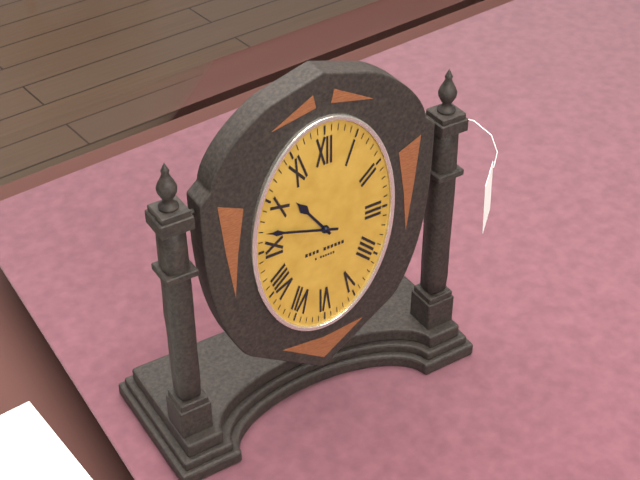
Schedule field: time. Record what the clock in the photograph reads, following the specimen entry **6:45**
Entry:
**10:48**
